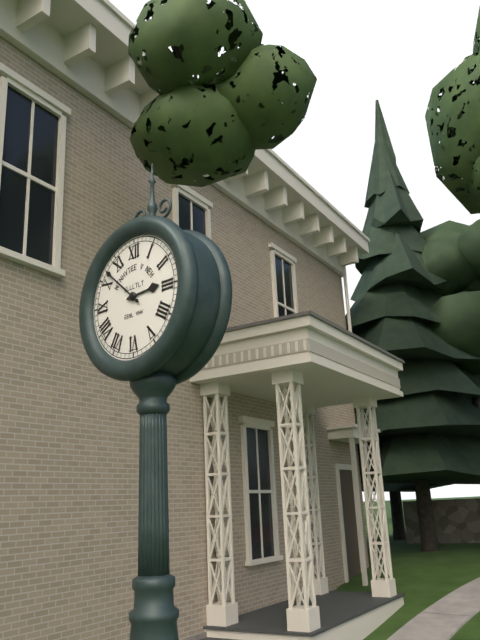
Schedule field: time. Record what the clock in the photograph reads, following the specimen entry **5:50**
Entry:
**2:52**
